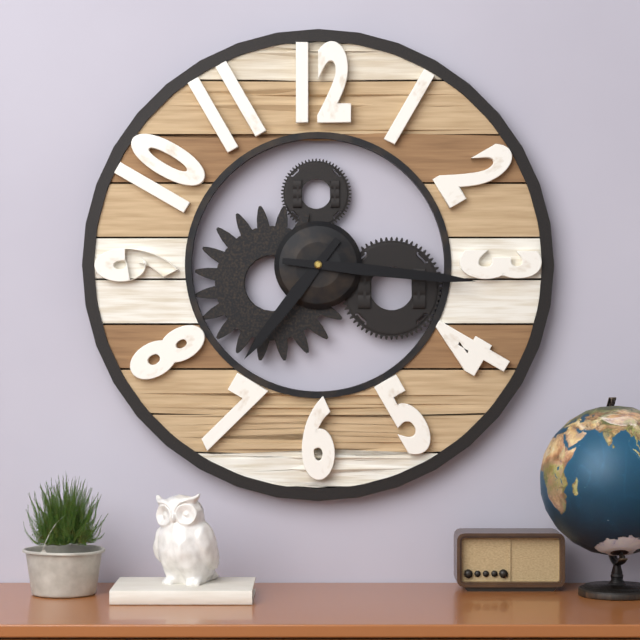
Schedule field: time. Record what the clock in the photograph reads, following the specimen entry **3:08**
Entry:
**7:16**
